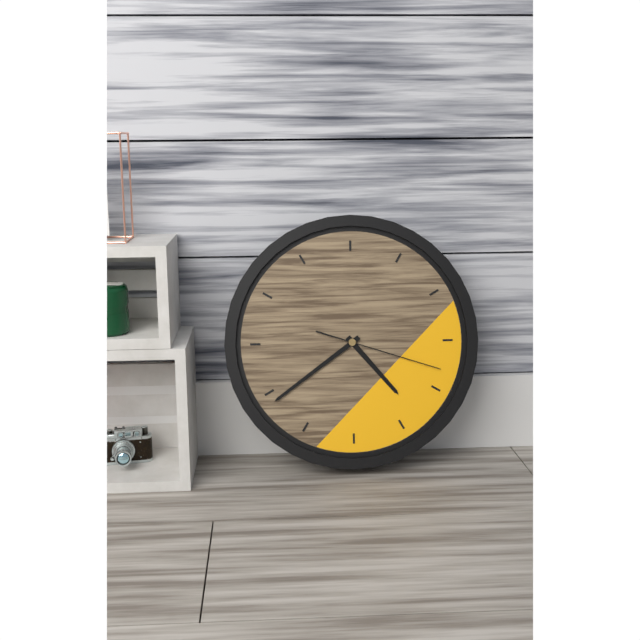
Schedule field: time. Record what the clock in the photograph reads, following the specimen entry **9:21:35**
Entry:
**4:39:18**
